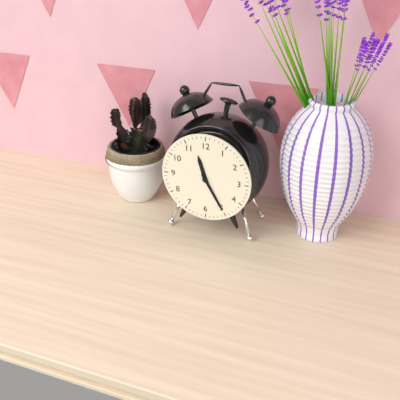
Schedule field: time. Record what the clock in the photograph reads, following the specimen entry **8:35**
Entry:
**11:25**
